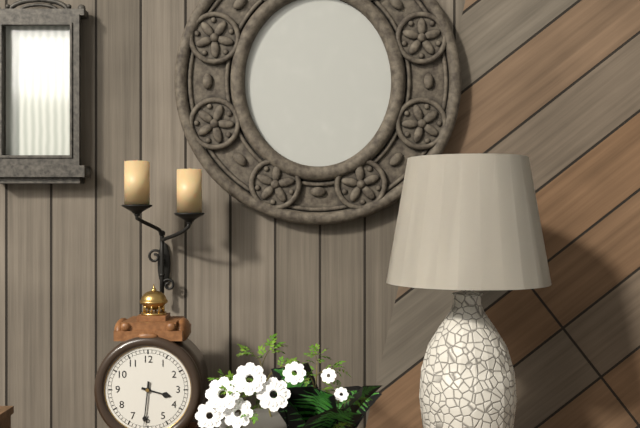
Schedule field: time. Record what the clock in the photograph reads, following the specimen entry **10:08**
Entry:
**3:31**
